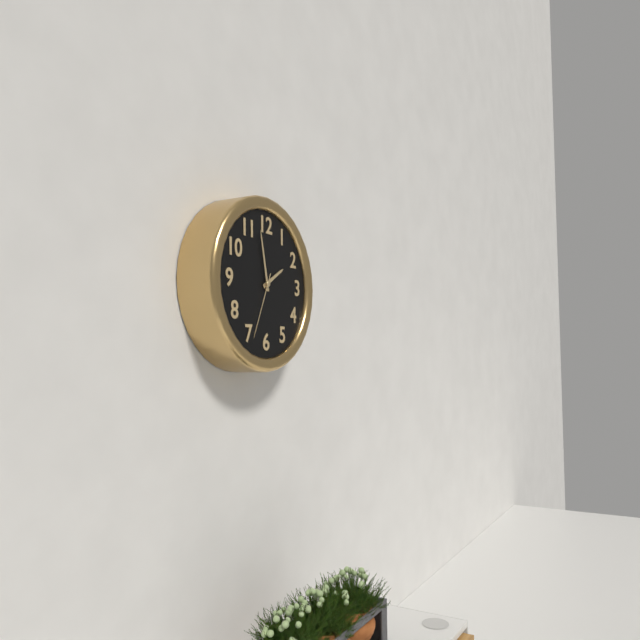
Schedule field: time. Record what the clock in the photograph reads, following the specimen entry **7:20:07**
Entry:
**1:58:34**
